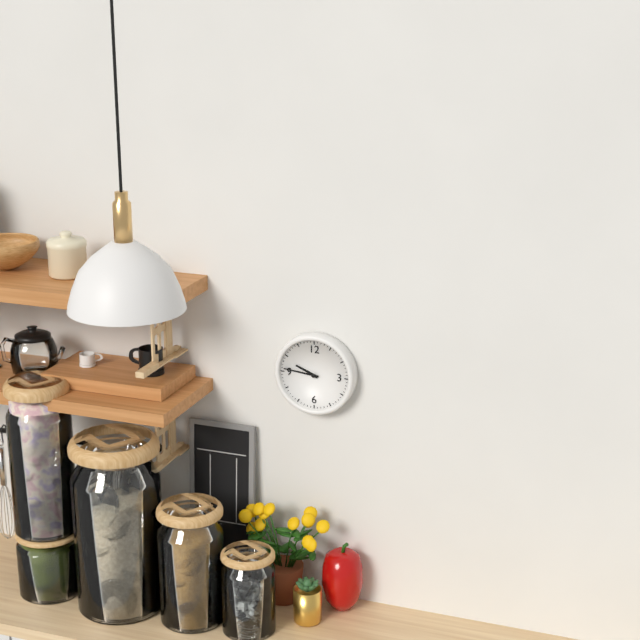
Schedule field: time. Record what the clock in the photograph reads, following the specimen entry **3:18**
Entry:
**9:46**
